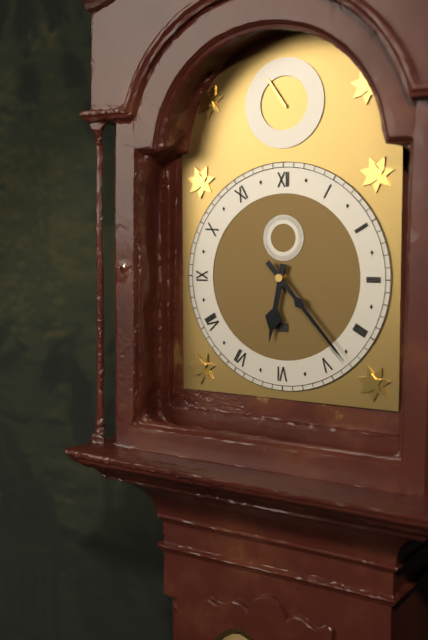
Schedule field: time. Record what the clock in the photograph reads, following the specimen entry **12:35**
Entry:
**6:23**
